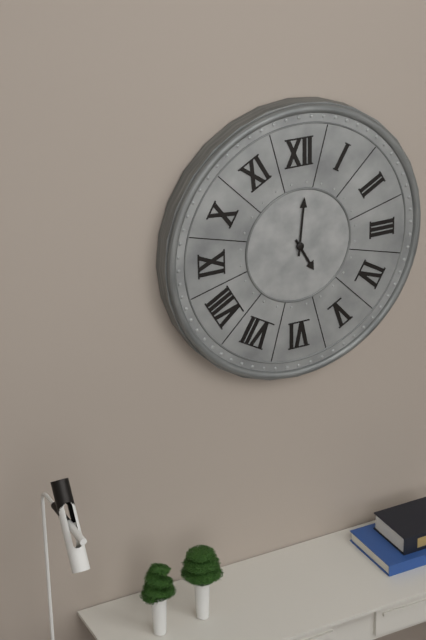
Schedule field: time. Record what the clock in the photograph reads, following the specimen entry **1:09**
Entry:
**5:01**
